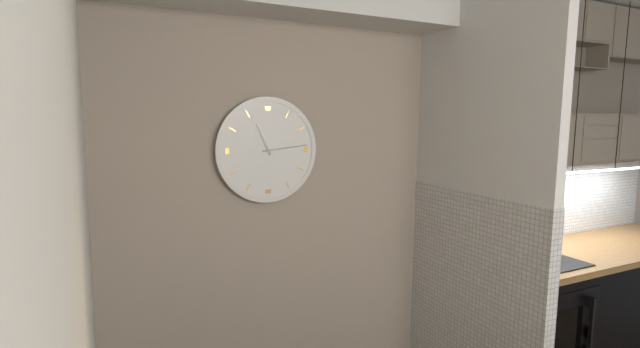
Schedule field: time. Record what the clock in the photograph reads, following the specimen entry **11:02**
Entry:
**11:14**
